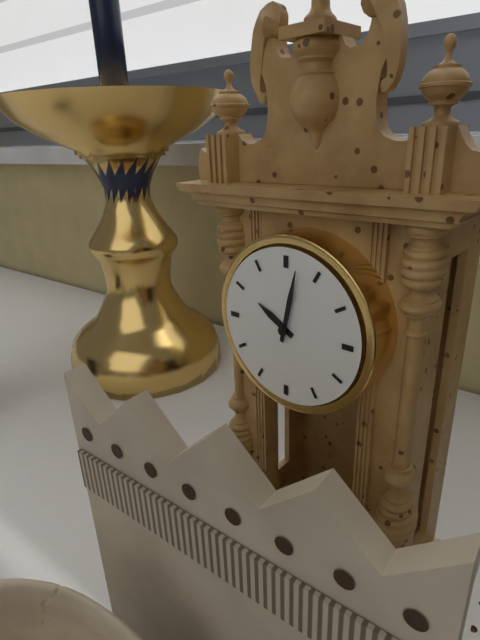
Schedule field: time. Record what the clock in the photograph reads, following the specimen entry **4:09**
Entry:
**10:02**
